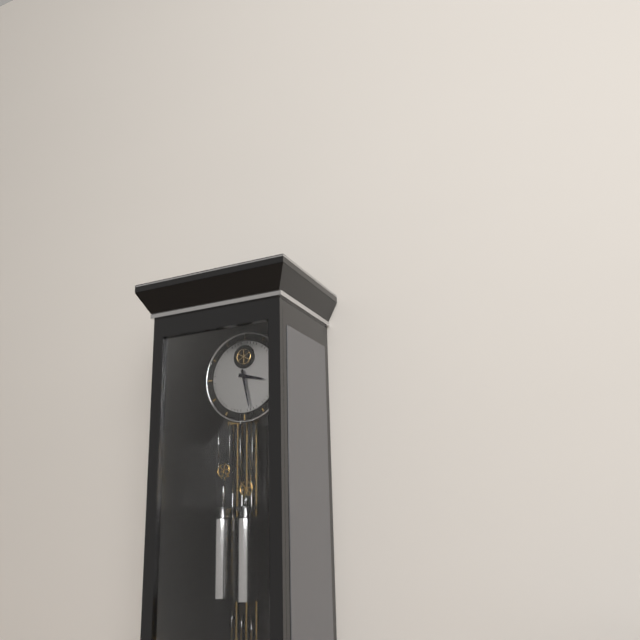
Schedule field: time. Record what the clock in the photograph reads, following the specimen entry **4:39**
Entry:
**3:28**
